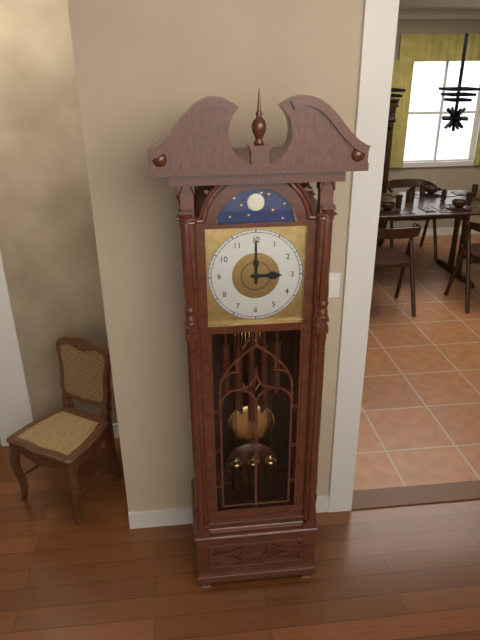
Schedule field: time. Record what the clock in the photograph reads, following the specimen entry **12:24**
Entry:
**3:00**
